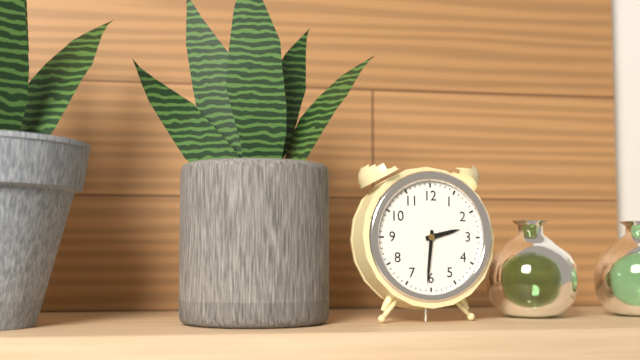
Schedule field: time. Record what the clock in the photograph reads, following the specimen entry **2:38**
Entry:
**2:31**
